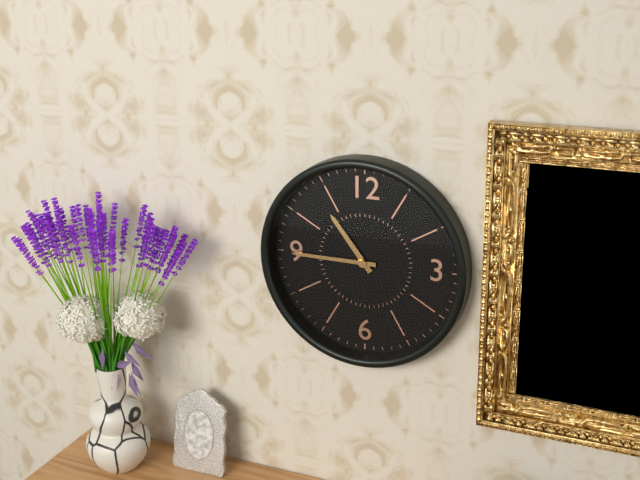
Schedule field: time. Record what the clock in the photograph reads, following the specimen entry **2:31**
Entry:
**10:45**
